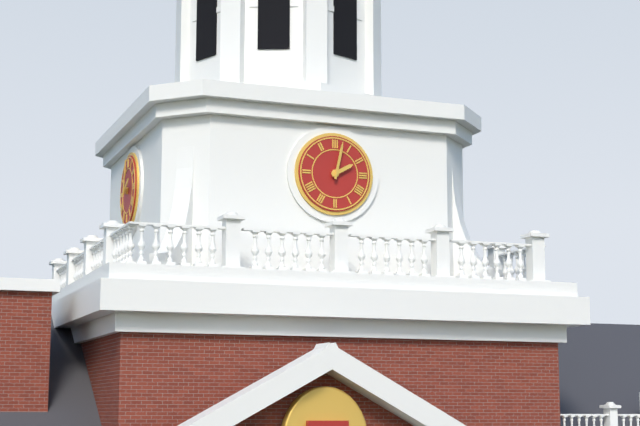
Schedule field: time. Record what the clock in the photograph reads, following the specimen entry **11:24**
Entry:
**2:02**
